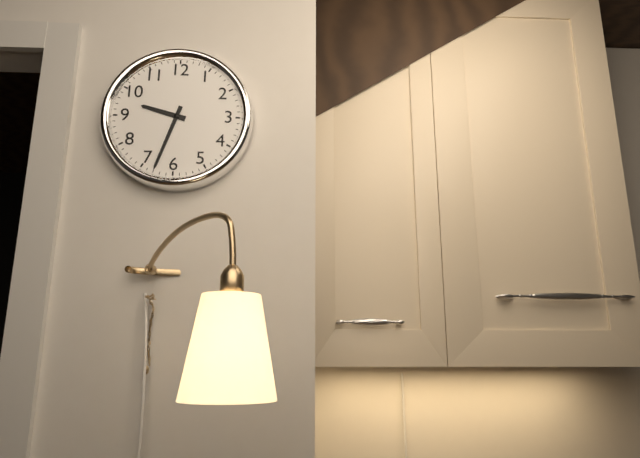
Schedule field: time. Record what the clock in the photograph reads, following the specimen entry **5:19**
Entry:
**9:33**
